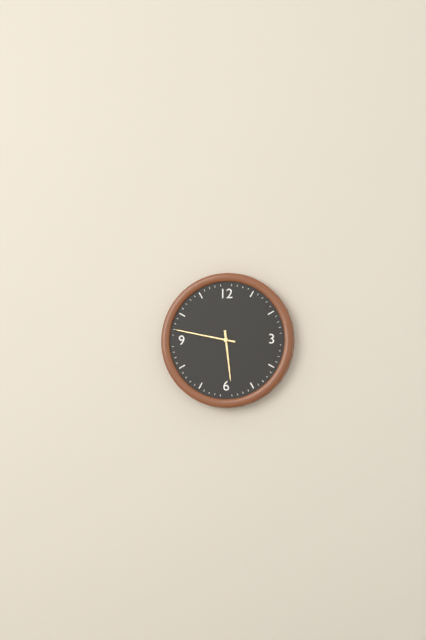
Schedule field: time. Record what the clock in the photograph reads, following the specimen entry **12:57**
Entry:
**5:47**
